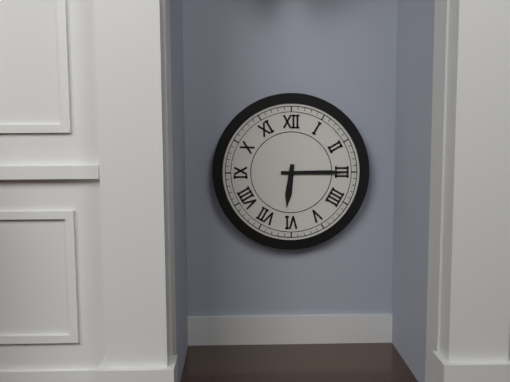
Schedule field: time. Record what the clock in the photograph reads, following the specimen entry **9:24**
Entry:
**6:15**
